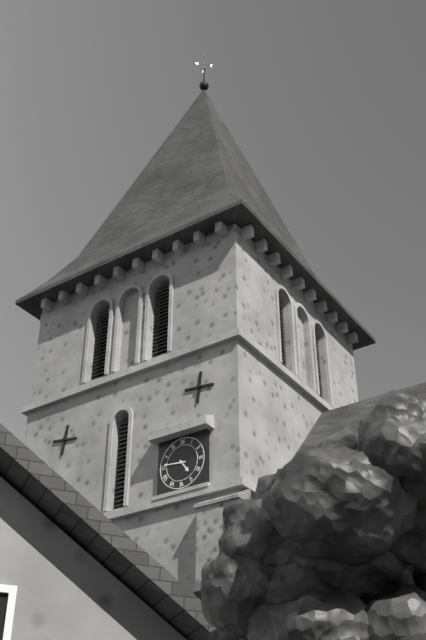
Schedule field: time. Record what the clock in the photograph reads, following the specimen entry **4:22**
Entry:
**4:46**
